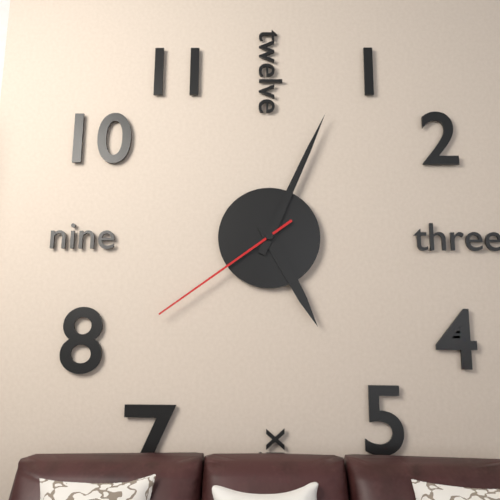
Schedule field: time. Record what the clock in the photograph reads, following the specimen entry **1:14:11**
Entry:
**5:04:39**
